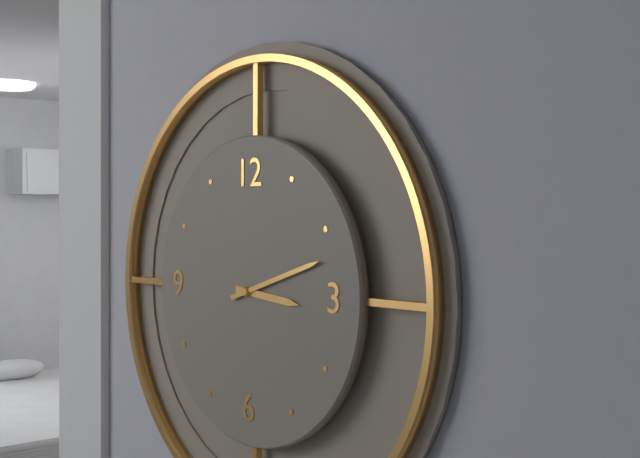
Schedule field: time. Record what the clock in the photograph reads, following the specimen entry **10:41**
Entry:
**3:12**
